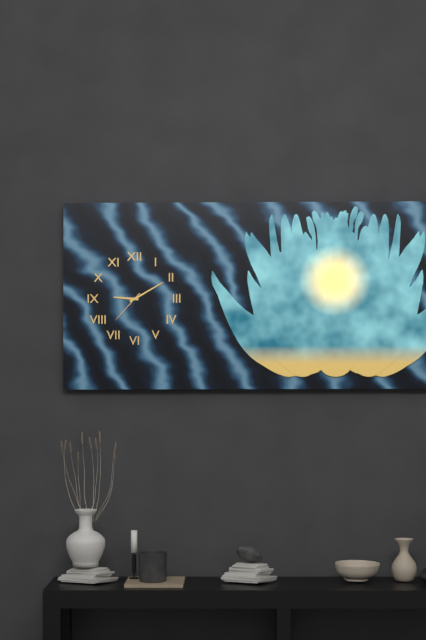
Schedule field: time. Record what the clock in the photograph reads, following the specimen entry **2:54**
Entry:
**9:10**
